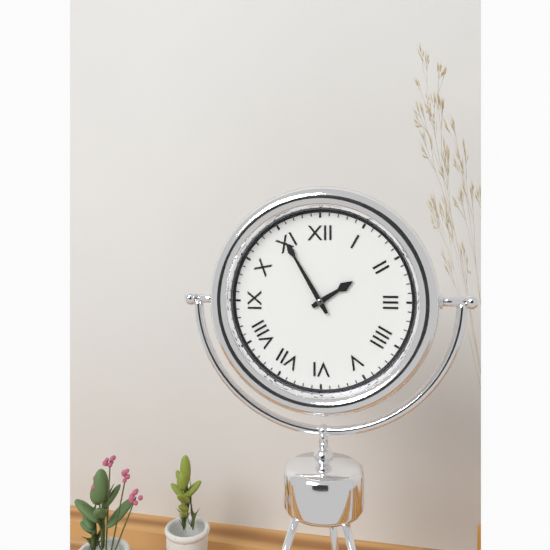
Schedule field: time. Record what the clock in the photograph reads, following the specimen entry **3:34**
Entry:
**1:55**
